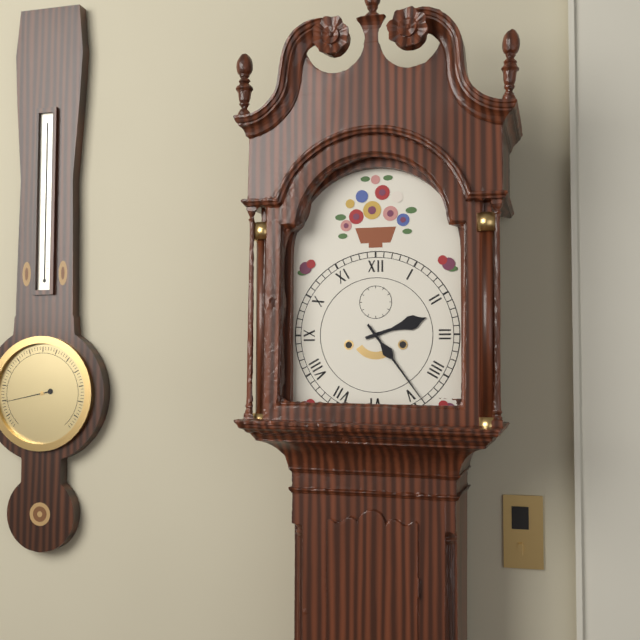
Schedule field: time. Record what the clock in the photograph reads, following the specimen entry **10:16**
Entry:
**2:24**
